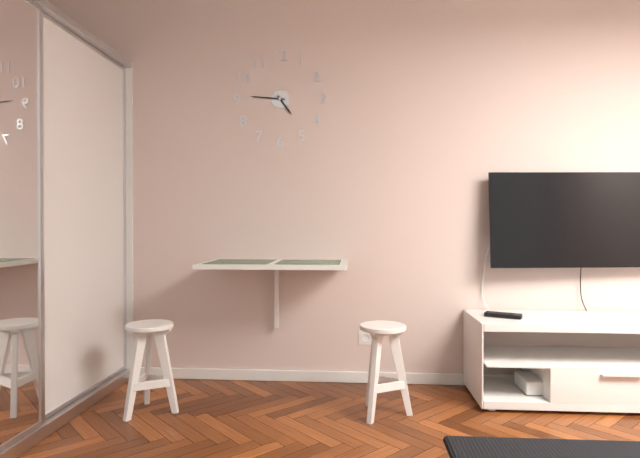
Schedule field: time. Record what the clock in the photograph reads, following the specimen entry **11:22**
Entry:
**4:46**
